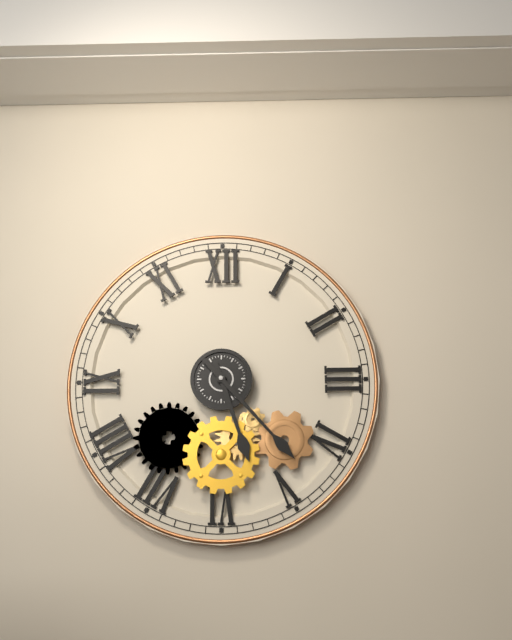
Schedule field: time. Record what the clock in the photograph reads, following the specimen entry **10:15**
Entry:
**5:23**
